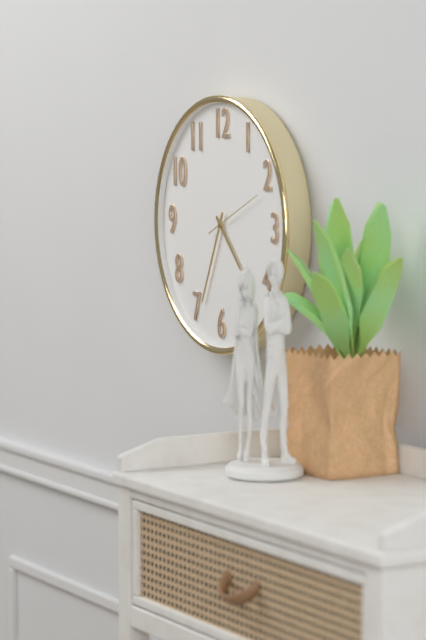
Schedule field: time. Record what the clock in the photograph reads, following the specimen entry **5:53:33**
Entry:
**4:34:11**
